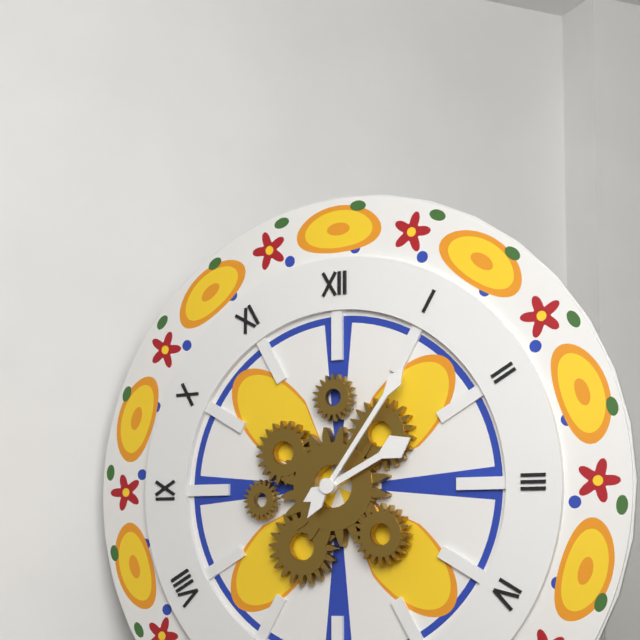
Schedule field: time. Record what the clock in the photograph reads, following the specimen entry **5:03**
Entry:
**2:06**
